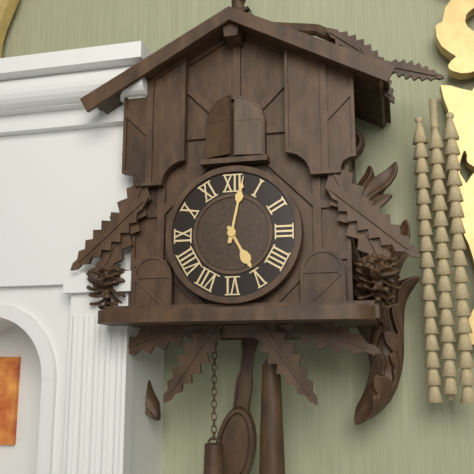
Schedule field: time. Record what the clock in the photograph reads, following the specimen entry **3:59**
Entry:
**5:02**
